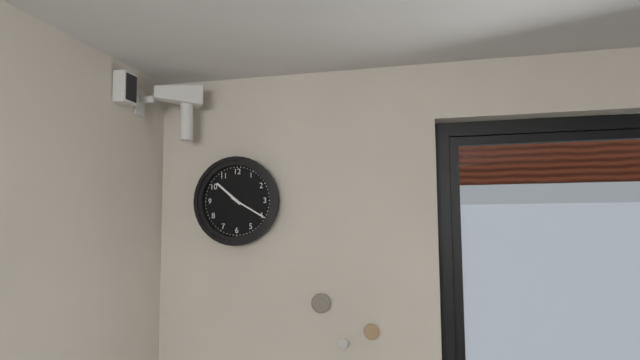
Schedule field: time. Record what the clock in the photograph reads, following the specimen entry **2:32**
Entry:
**10:20**
